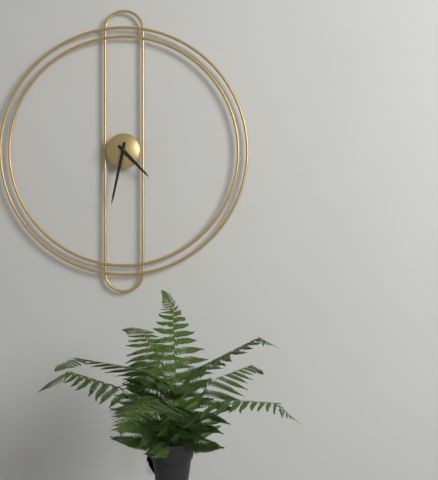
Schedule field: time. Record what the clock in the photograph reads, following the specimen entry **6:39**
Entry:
**4:32**
